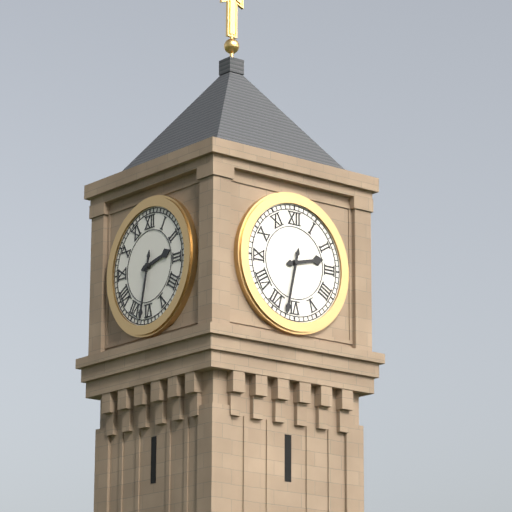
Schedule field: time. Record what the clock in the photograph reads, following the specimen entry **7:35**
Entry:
**2:32**
